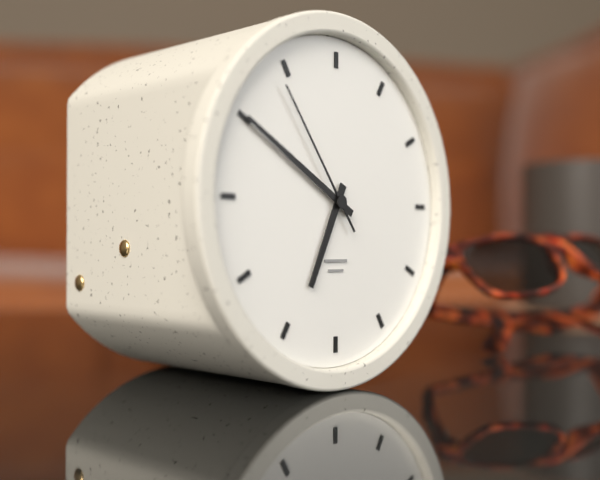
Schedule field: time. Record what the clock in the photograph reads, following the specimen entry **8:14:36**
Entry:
**6:50:54**
